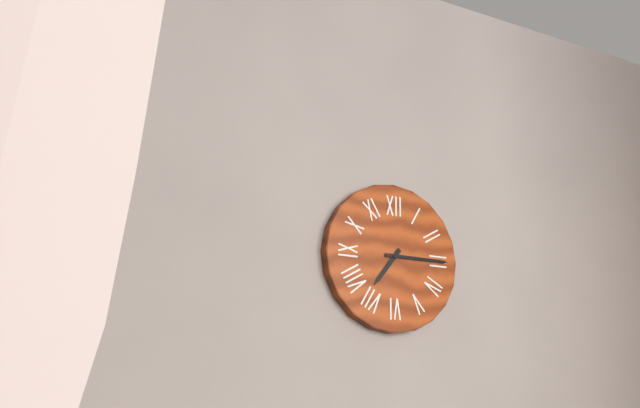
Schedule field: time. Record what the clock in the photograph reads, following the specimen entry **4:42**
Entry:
**7:15**
